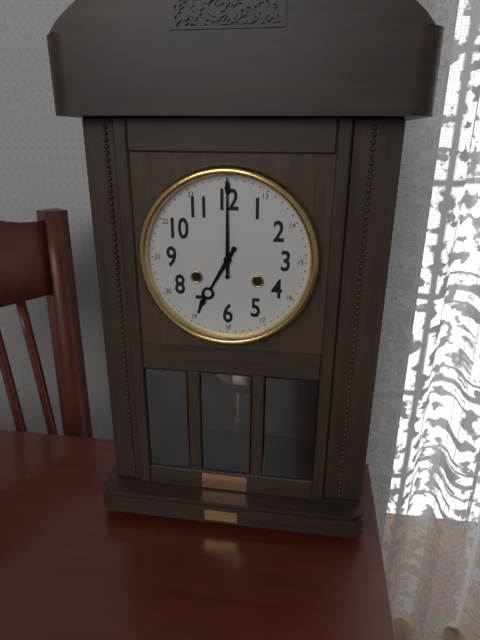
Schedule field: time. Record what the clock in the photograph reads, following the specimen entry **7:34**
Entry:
**7:00**
